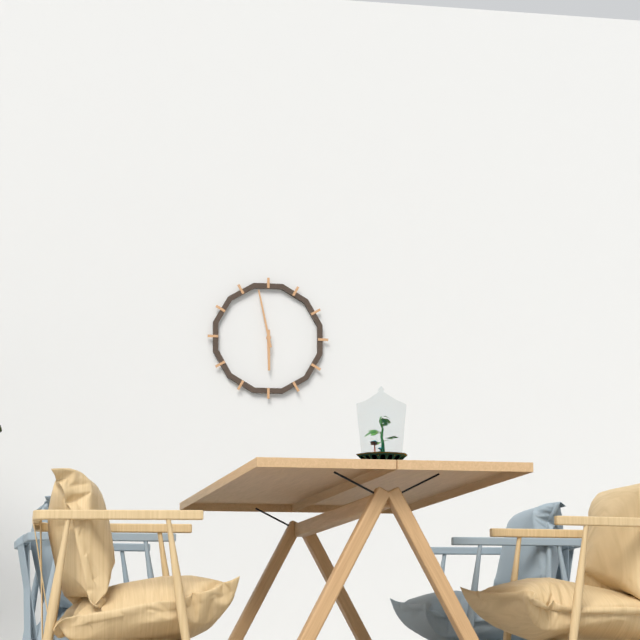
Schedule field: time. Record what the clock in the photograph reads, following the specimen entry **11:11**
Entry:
**5:58**
